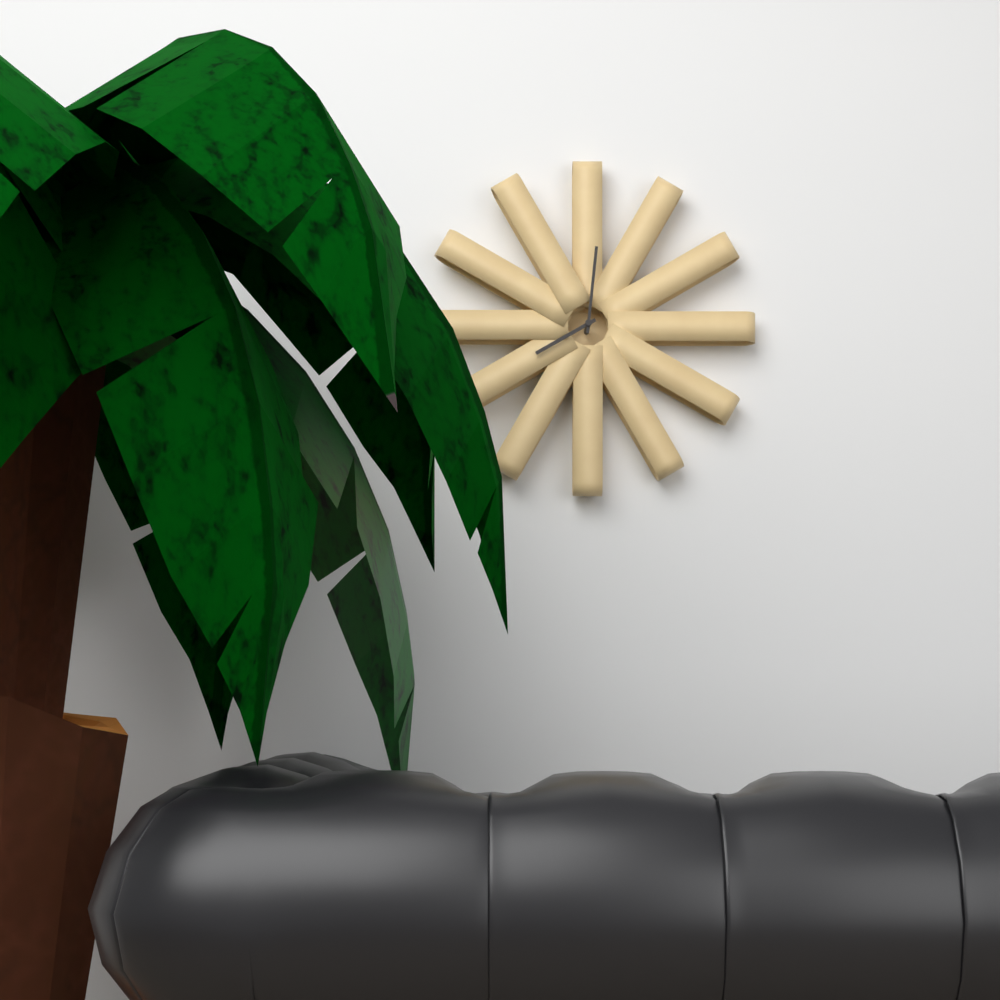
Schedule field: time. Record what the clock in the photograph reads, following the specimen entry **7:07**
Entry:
**8:01**
